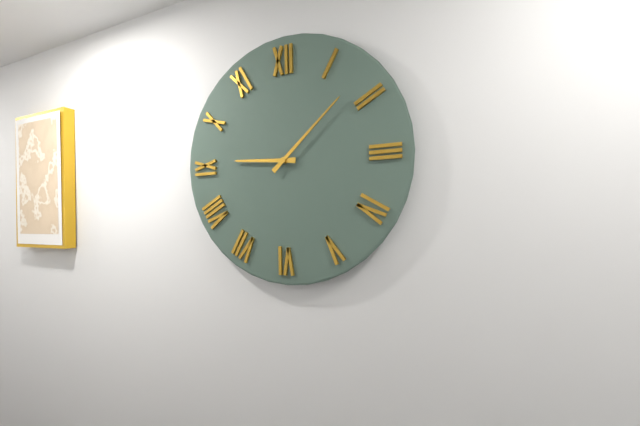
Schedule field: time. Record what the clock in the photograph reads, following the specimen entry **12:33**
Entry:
**9:08**
